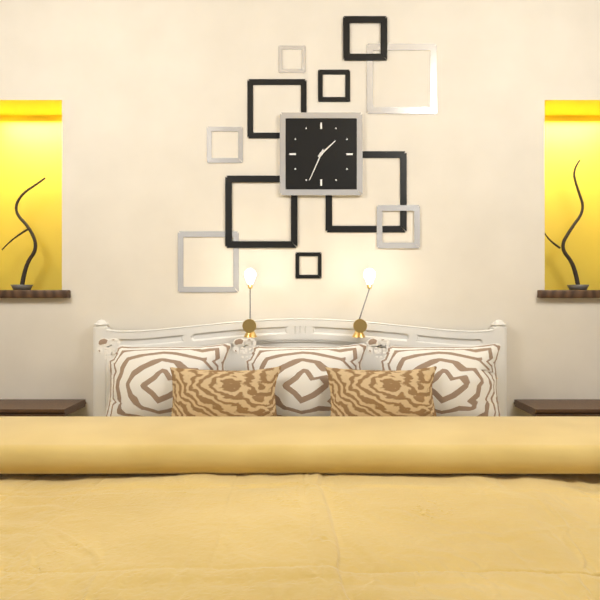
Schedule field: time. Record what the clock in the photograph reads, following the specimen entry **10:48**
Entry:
**1:34**
